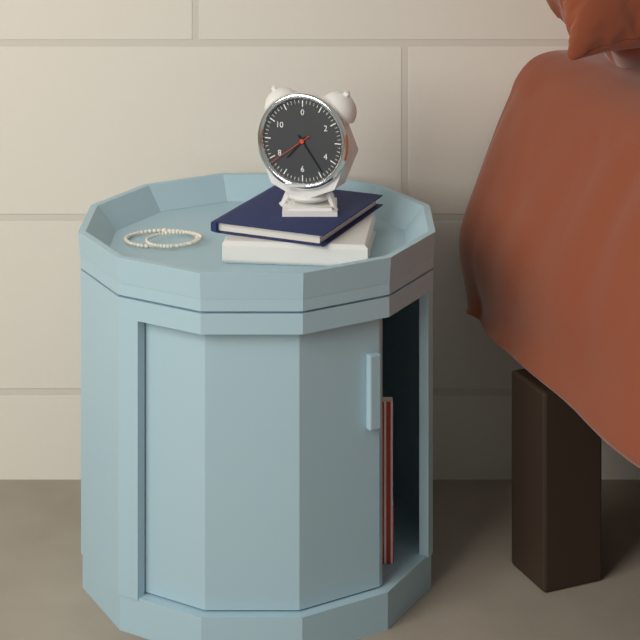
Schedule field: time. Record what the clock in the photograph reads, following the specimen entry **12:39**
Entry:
**7:24**
